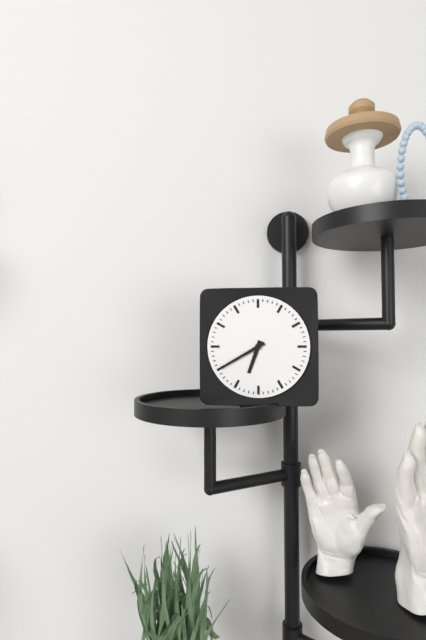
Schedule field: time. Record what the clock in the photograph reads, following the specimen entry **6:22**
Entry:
**6:40**
